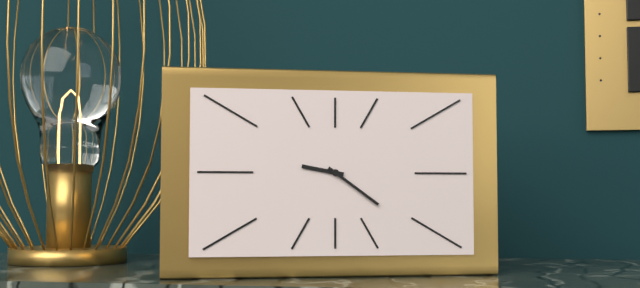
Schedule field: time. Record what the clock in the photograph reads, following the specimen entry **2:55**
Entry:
**9:21**
